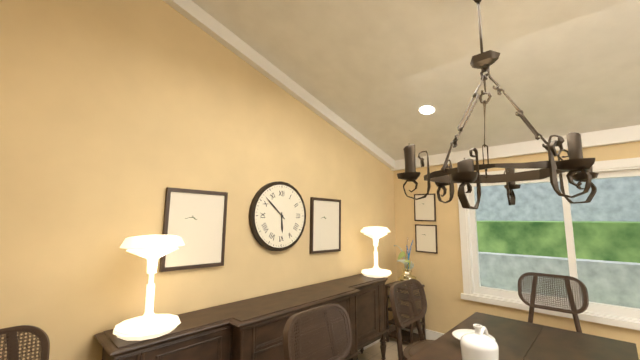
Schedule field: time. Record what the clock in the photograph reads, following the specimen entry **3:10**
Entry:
**5:52**
